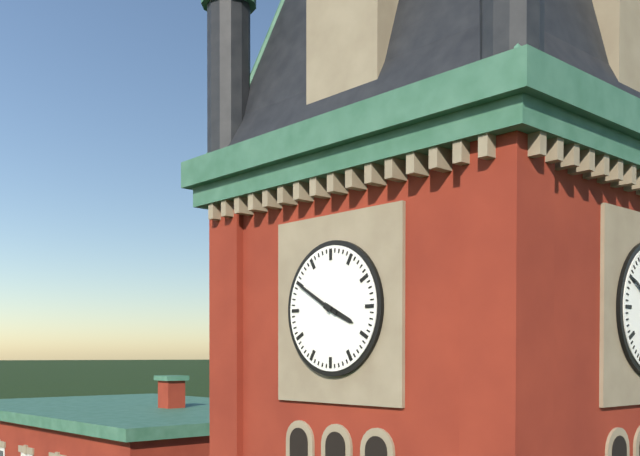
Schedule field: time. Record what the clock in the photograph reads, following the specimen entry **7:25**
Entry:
**3:50**
